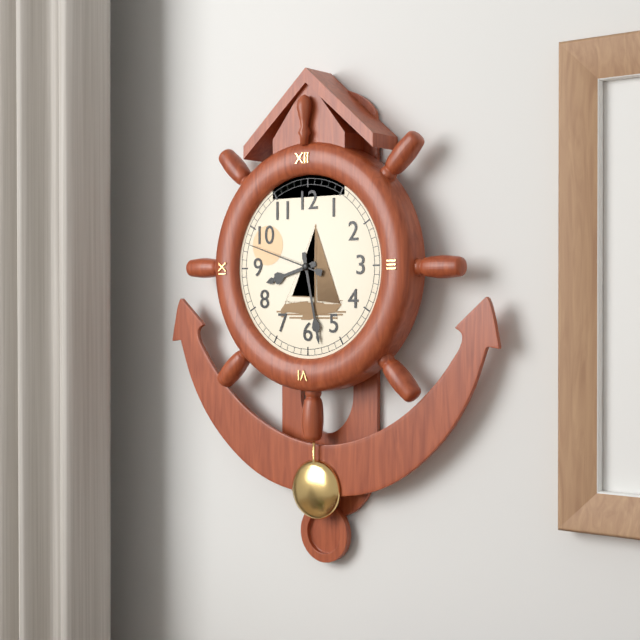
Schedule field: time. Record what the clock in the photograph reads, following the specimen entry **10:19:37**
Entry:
**8:28:48**
